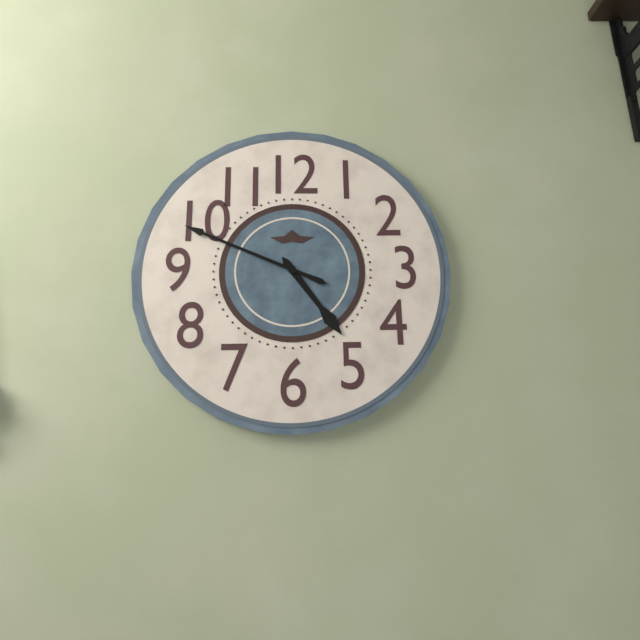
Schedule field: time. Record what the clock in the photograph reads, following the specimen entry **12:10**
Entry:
**4:49**
